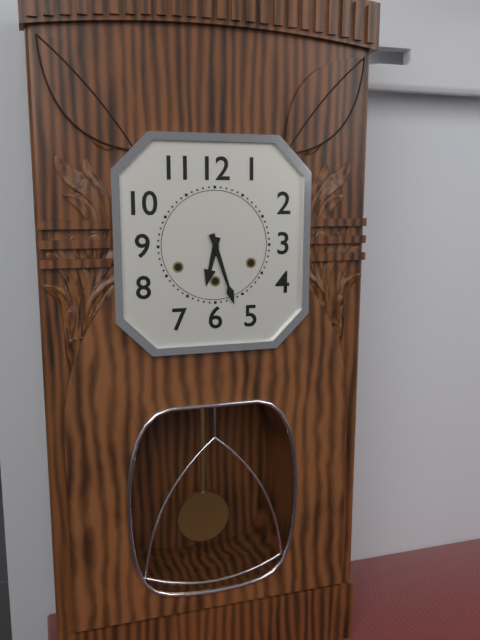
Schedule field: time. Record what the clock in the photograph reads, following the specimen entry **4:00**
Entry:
**6:27**
